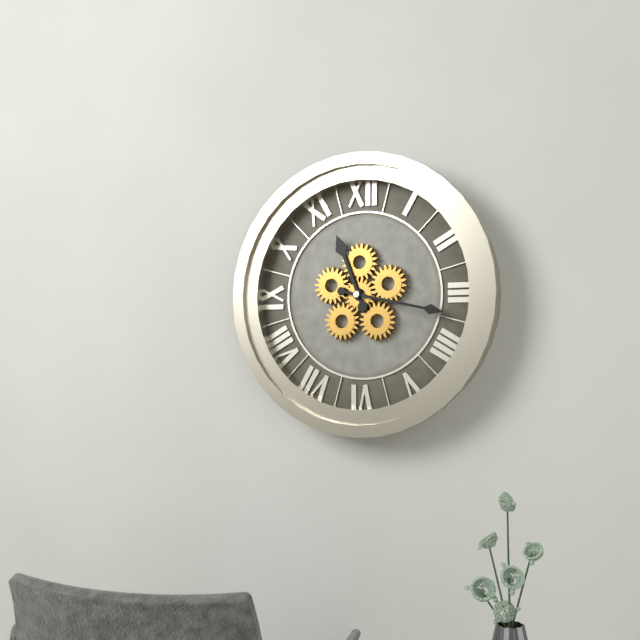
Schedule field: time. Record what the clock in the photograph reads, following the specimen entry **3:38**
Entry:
**11:17**
